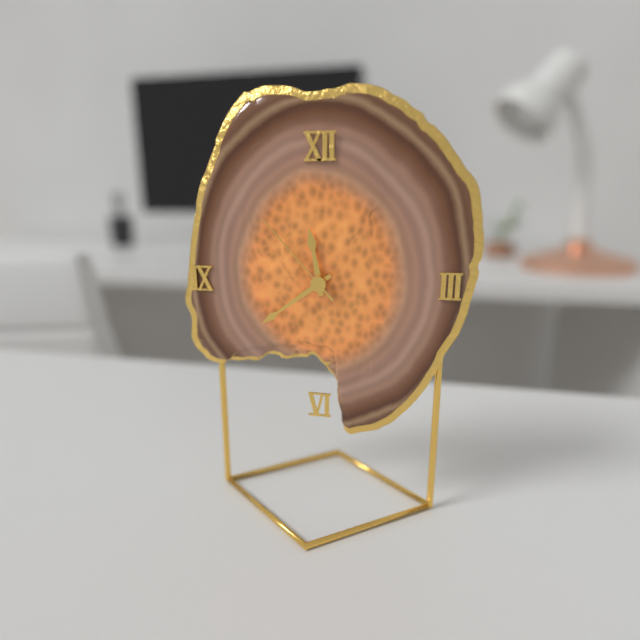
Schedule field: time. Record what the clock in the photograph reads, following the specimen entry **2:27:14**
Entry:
**11:39:53**
